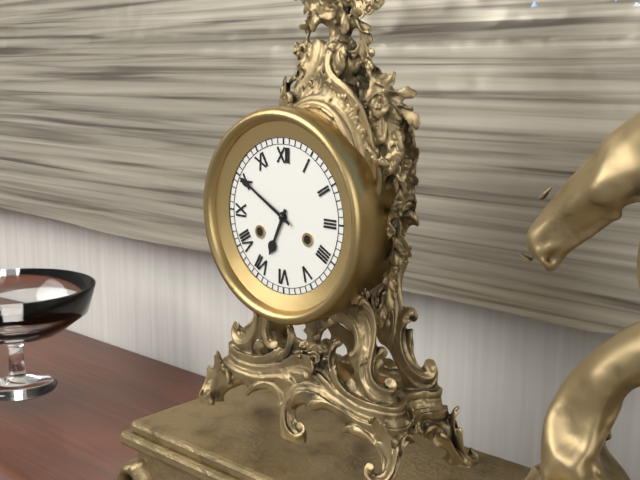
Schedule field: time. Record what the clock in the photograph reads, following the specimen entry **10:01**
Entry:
**6:50**
